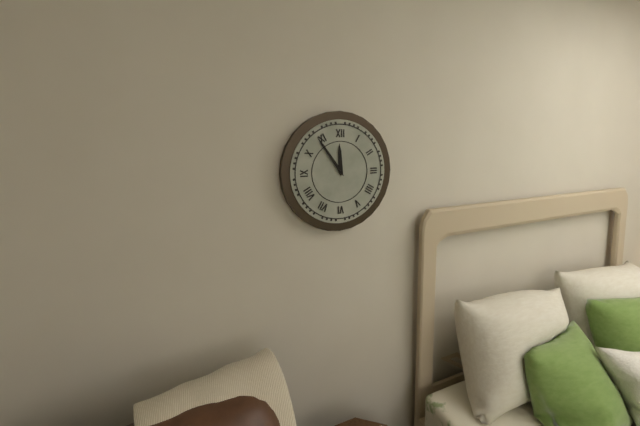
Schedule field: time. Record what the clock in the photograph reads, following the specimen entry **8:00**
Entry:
**11:54**
